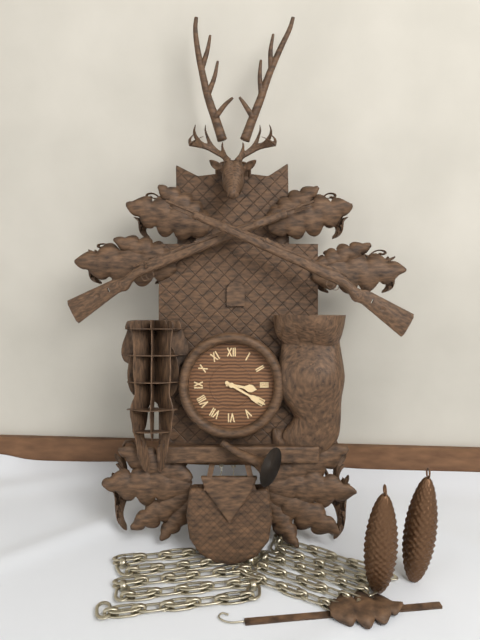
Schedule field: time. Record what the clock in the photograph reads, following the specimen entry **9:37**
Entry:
**3:20**
